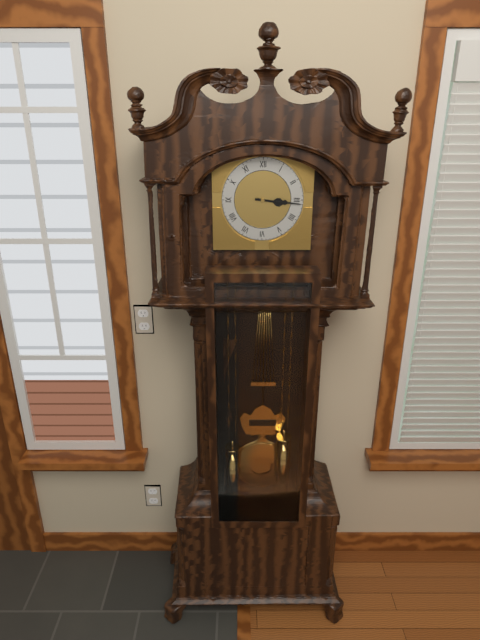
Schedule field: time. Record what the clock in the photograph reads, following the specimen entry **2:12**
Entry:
**3:16**
